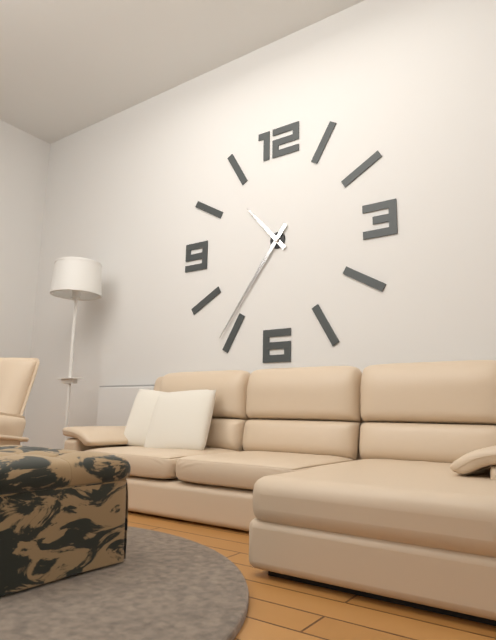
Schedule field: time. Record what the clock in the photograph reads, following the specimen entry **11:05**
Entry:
**10:36**
